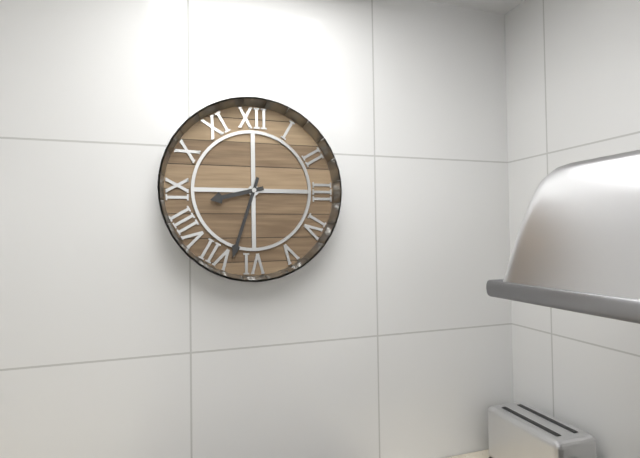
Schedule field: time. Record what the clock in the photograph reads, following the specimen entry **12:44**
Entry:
**8:33**
